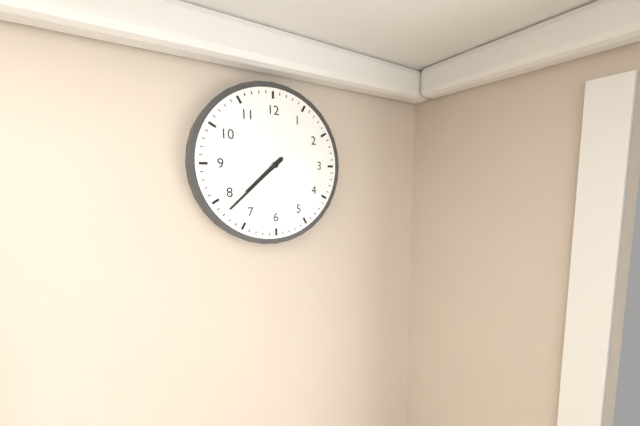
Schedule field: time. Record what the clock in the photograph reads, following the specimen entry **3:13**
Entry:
**7:38**
